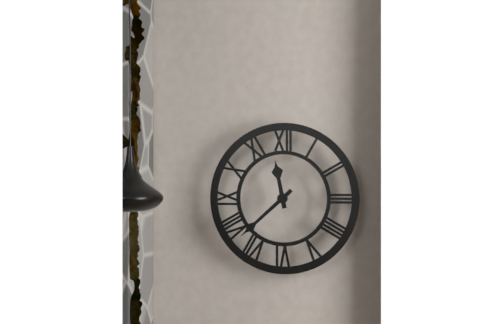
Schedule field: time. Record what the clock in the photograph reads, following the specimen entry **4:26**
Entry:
**11:38**
